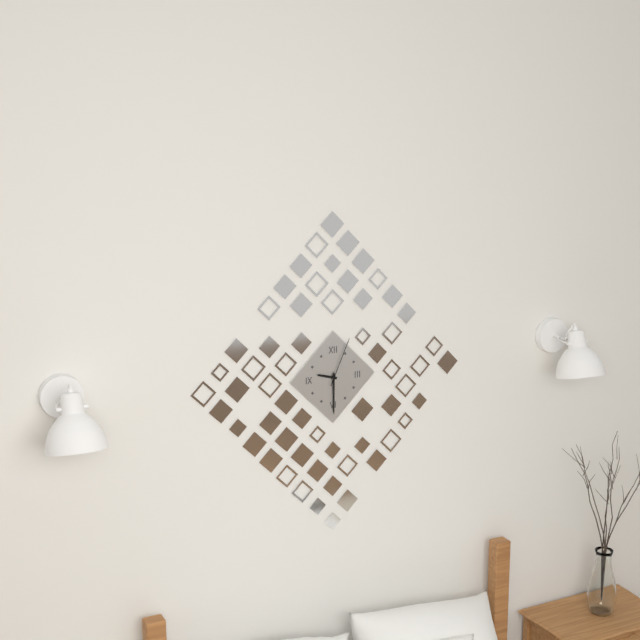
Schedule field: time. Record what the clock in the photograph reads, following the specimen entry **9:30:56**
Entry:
**9:30:04**
